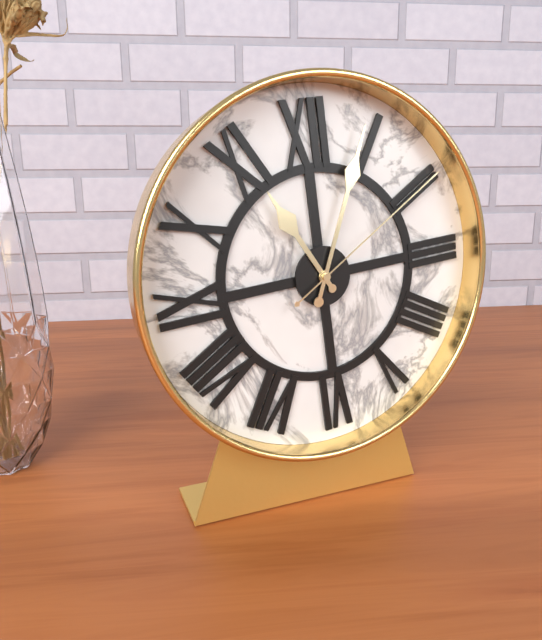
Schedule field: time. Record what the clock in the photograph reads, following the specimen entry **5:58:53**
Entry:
**11:04:10**
